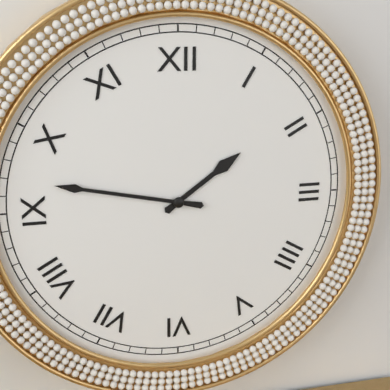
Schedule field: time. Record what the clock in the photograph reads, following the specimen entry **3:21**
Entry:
**1:47**
